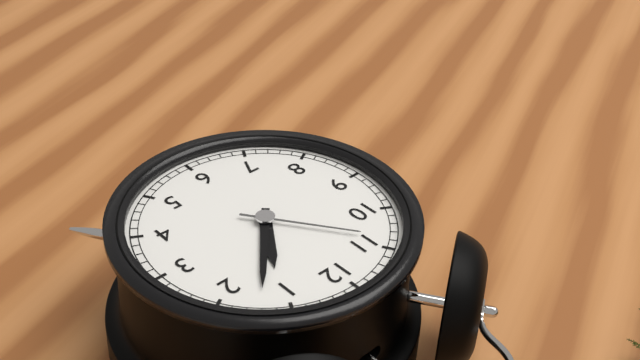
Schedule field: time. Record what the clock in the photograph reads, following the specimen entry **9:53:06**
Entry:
**1:07:54**
